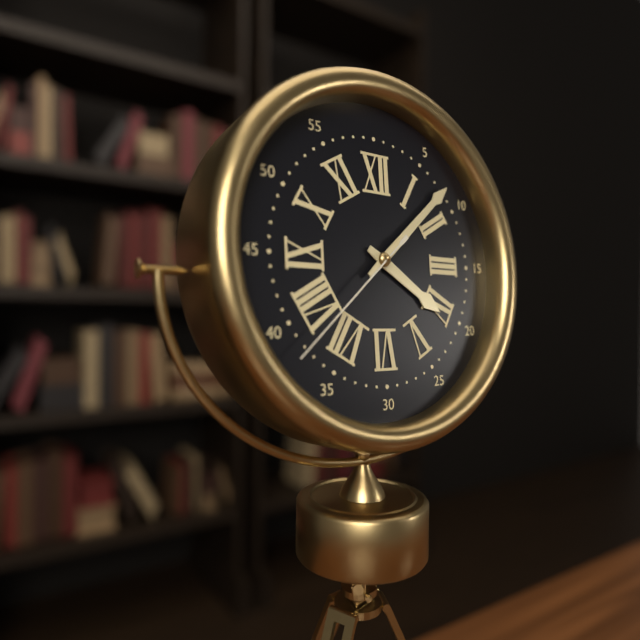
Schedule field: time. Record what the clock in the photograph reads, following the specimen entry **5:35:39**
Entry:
**4:08:38**
